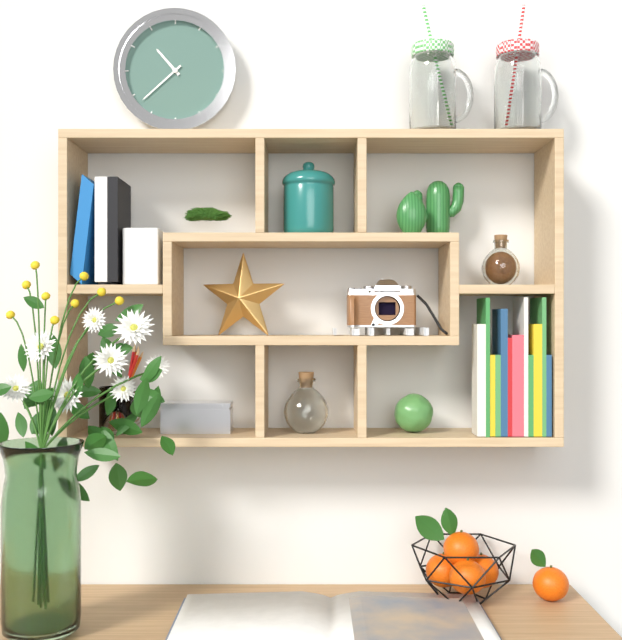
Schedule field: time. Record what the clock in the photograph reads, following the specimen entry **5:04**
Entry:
**10:38**
